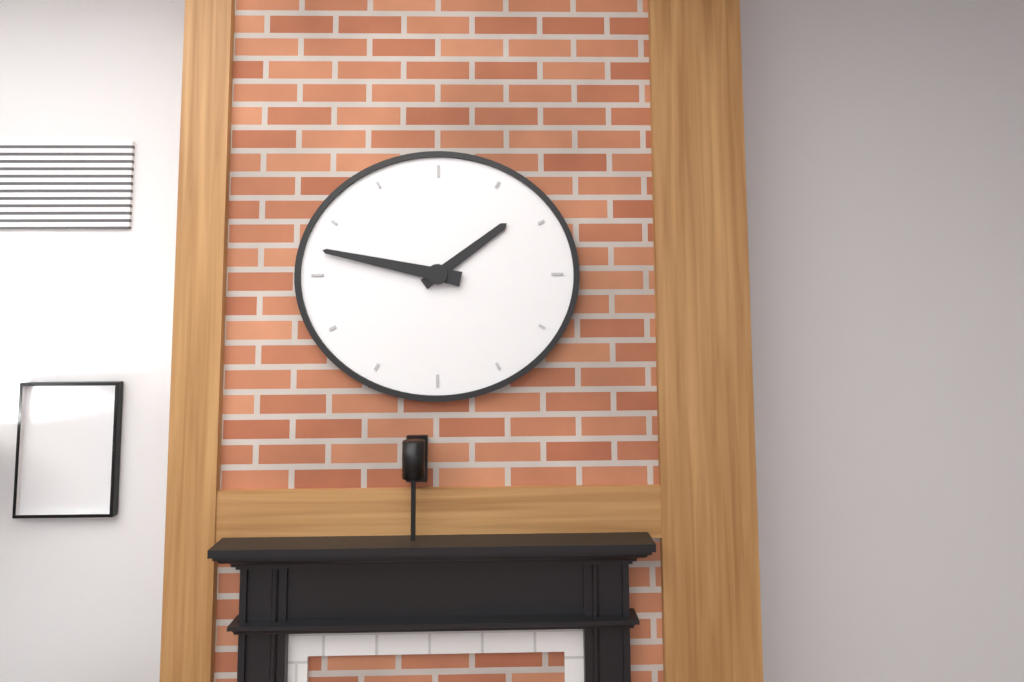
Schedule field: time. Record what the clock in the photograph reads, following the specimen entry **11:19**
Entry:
**1:47**
